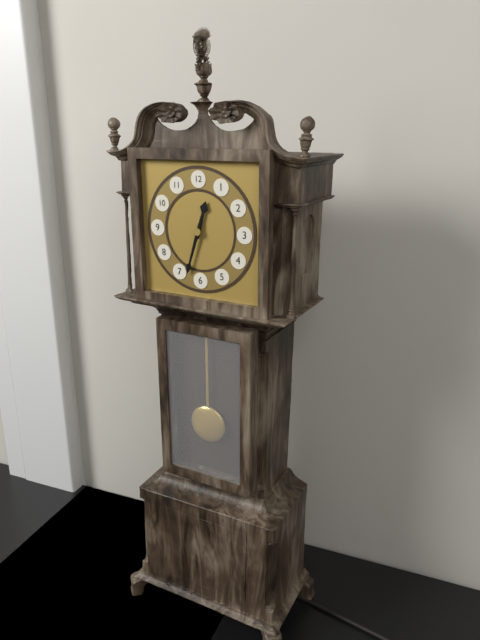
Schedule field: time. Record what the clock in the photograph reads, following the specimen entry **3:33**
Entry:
**12:33**
